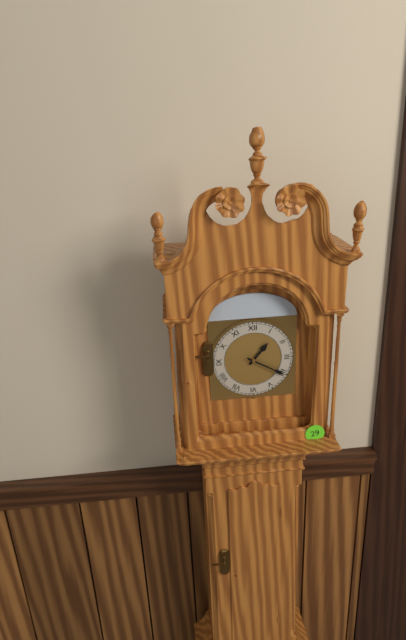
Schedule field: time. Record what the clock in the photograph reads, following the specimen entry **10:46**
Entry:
**1:20**
